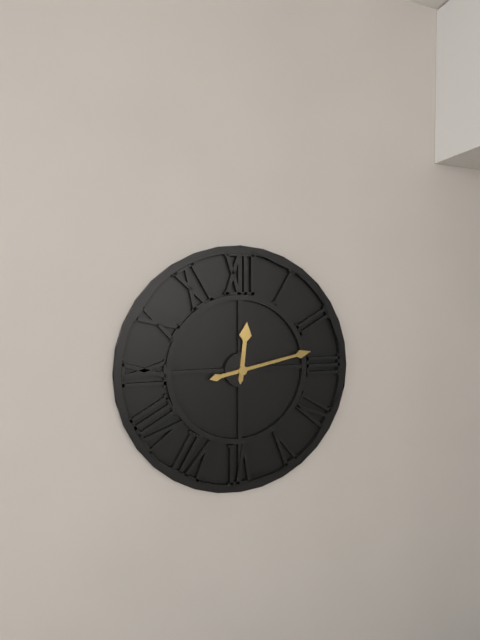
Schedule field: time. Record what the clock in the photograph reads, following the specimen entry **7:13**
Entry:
**12:13**
